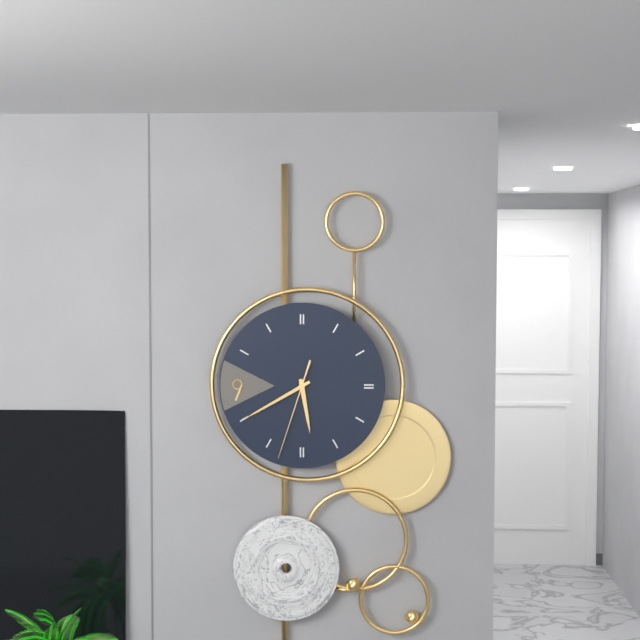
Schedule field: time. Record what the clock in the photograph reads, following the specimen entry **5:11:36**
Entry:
**5:40:33**
